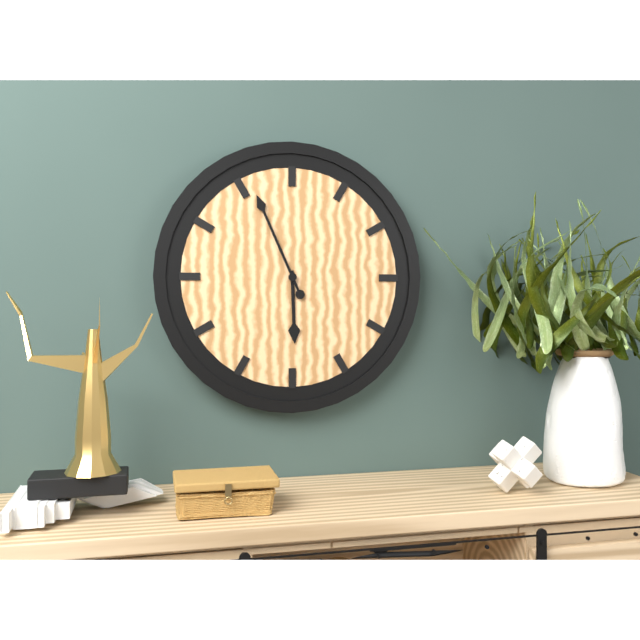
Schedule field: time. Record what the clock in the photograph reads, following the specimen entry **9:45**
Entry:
**5:56**
